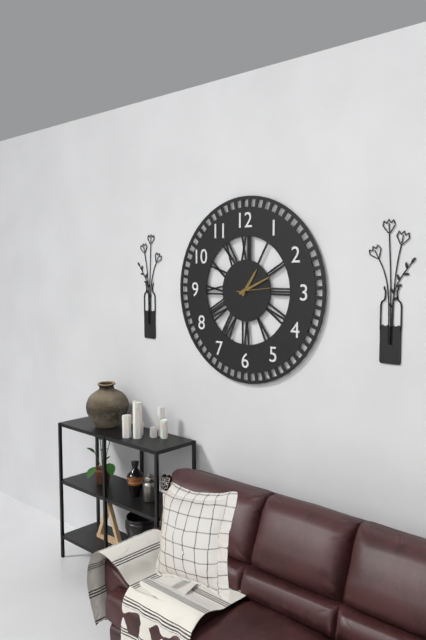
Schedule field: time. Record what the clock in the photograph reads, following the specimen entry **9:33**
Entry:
**1:11**
